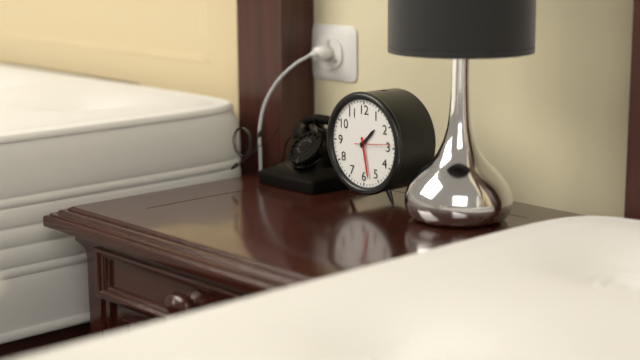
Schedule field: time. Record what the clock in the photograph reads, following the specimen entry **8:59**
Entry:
**1:28**
